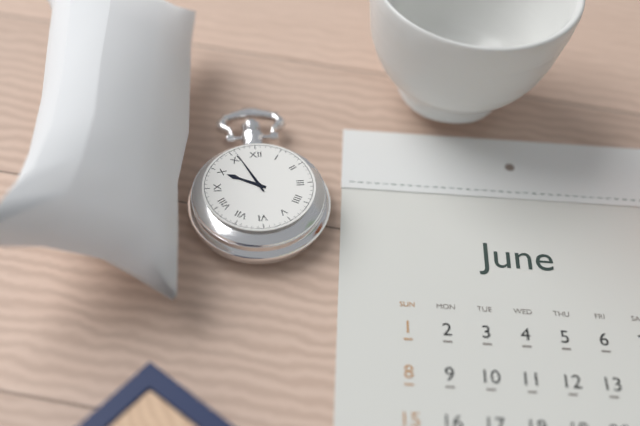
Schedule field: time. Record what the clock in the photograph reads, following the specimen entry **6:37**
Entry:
**9:56**
